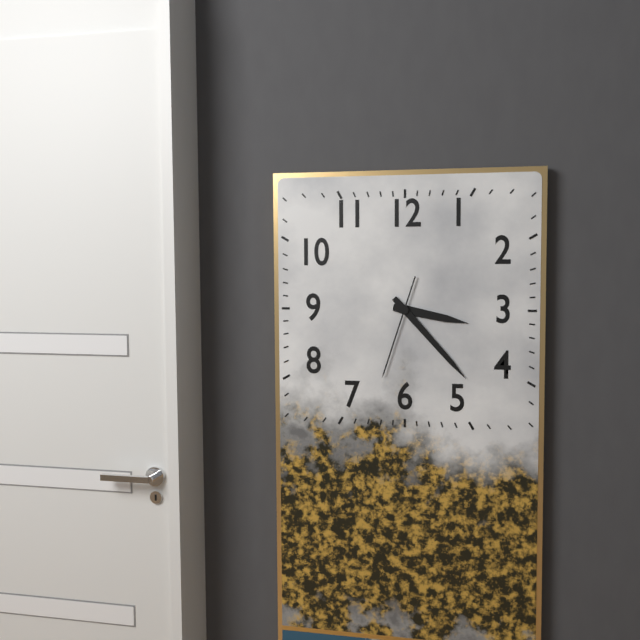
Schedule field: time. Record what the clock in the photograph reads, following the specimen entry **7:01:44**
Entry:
**3:23:33**
